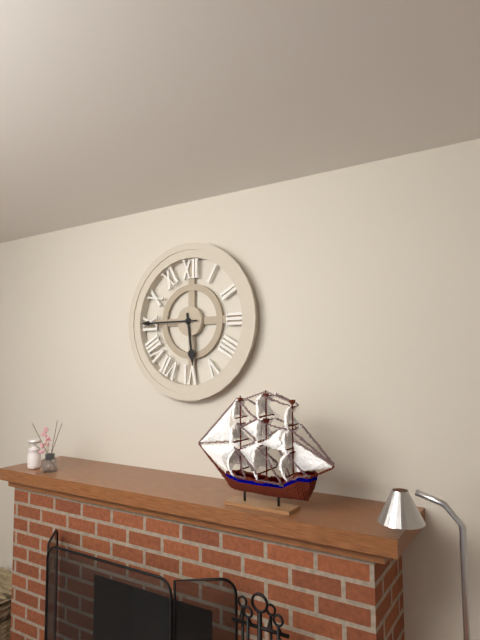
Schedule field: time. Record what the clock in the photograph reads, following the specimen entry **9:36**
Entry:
**5:45**
